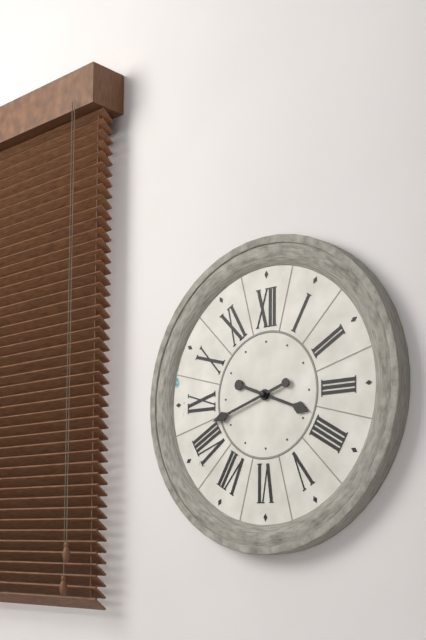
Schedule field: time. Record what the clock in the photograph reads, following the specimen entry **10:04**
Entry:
**3:42**
